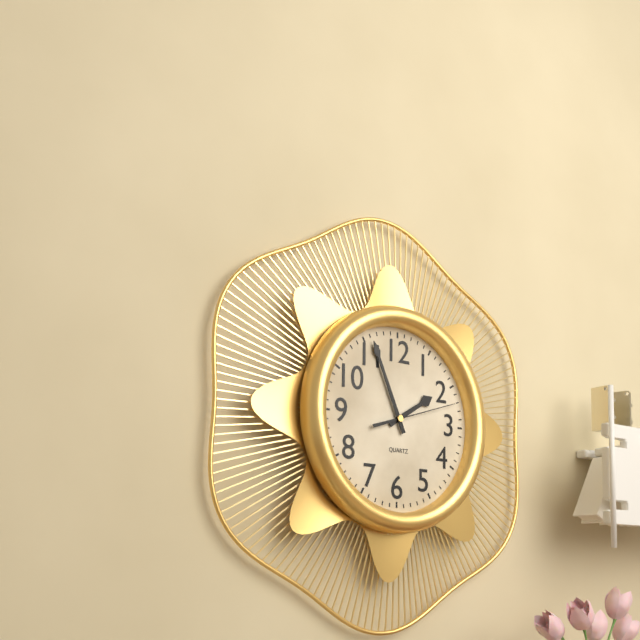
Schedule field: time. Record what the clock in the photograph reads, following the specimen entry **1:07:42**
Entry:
**1:56:12**
